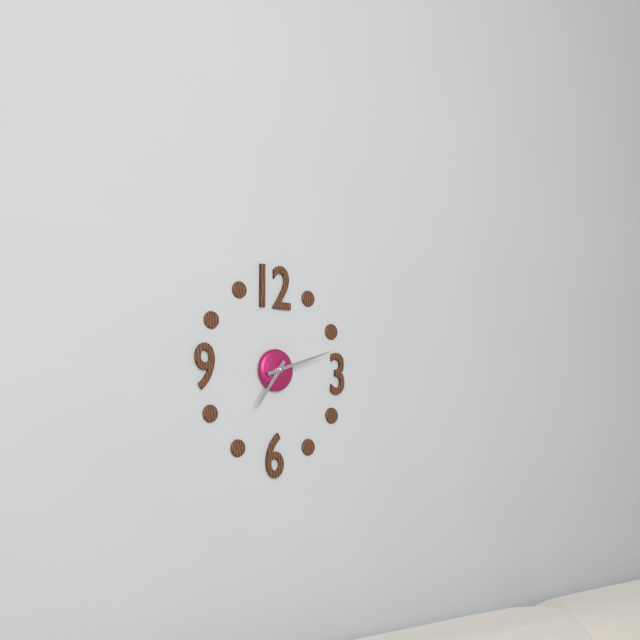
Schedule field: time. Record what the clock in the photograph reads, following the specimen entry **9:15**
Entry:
**7:12**
